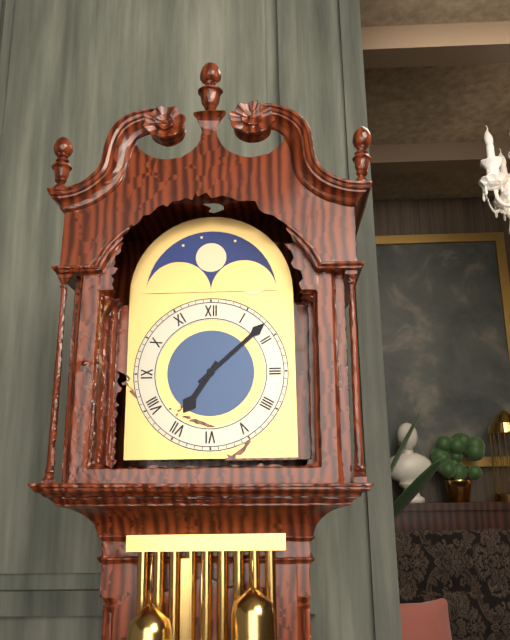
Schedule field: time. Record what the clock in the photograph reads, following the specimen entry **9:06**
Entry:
**7:08**
